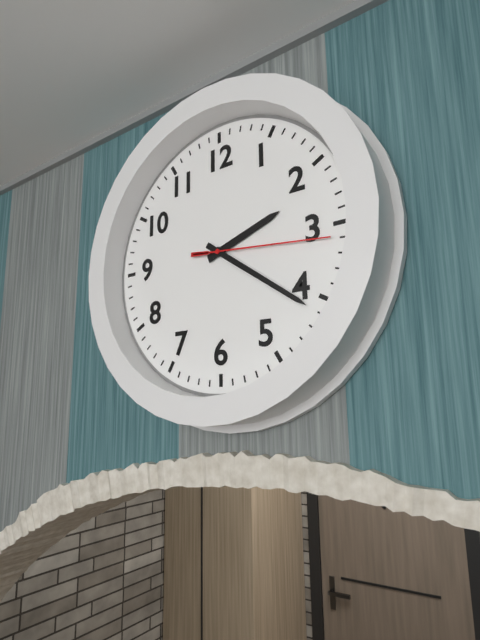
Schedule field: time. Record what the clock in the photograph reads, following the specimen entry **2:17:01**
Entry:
**2:21:16**
